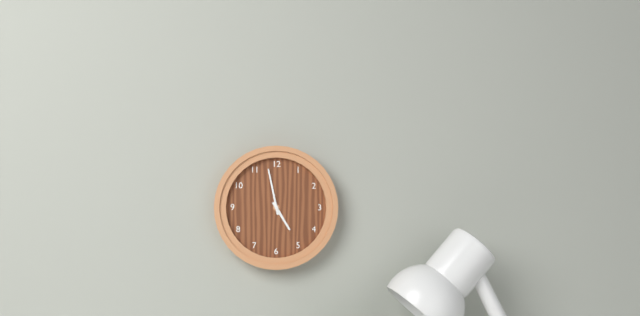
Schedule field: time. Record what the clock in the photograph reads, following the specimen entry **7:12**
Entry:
**4:58**
